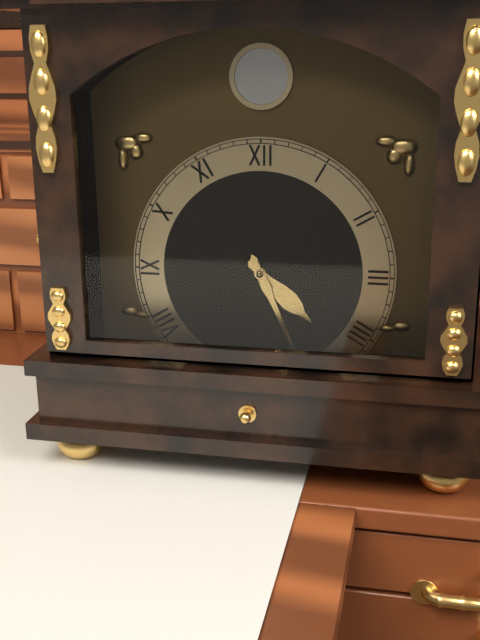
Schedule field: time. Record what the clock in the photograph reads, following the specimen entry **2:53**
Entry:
**4:26**
